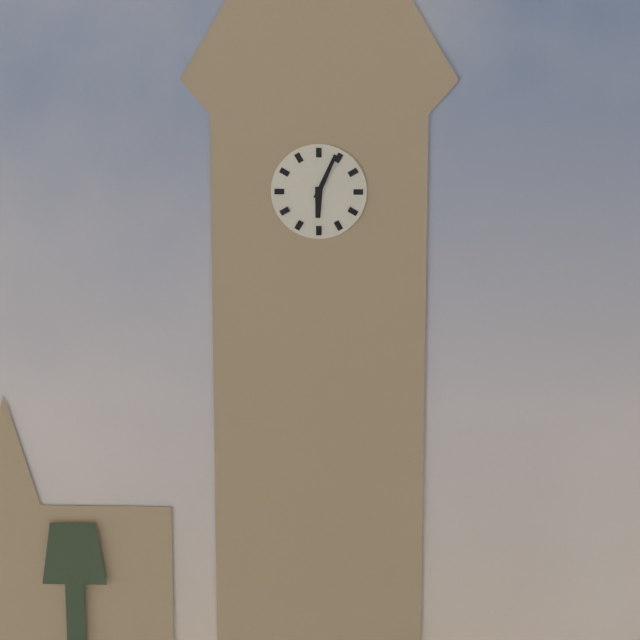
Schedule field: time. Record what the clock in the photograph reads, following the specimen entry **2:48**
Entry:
**6:04**
